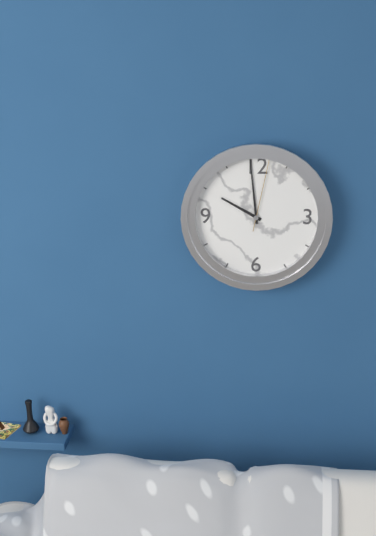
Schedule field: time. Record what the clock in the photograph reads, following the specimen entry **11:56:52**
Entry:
**9:59:02**
